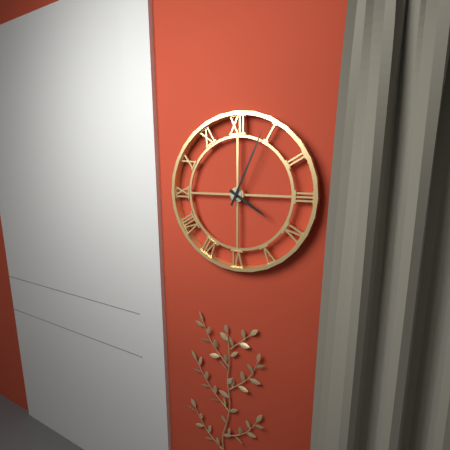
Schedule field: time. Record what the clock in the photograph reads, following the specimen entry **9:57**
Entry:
**4:04**
